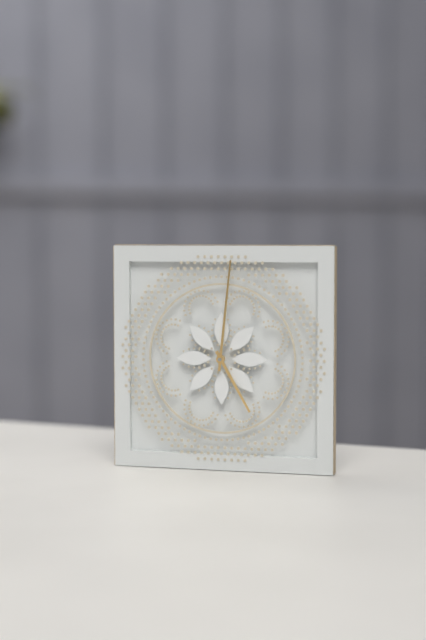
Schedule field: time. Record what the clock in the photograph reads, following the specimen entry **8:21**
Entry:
**5:01**
